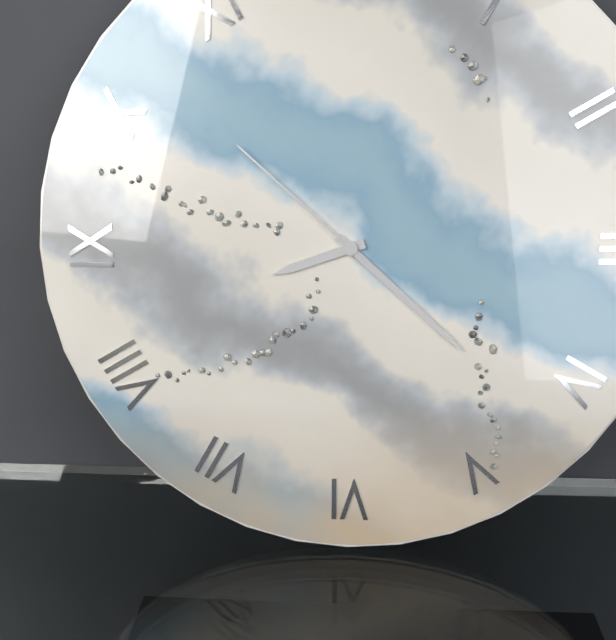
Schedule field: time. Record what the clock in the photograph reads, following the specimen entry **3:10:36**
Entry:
**8:22:52**
